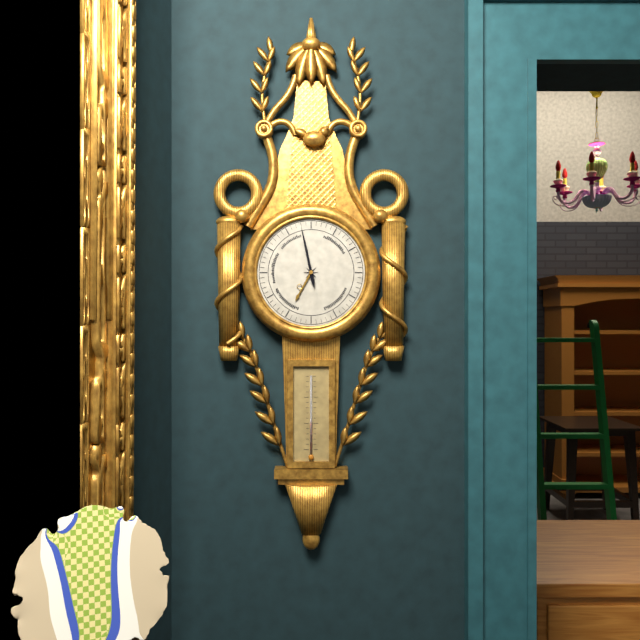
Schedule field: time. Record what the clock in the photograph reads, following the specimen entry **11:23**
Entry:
**6:58**
